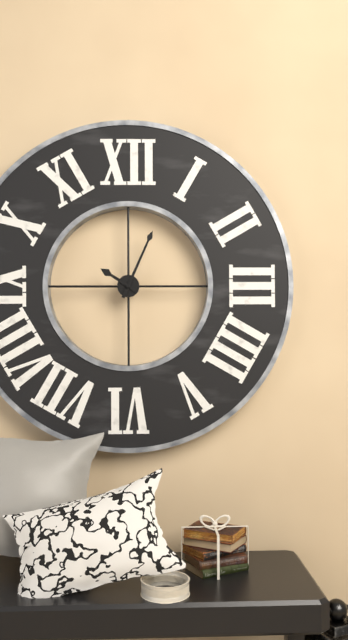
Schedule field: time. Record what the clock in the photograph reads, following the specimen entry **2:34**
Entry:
**10:04**
